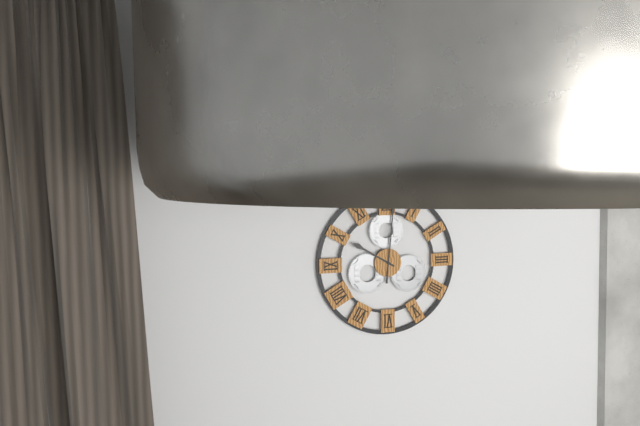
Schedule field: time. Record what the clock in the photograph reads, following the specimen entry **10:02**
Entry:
**10:01**
